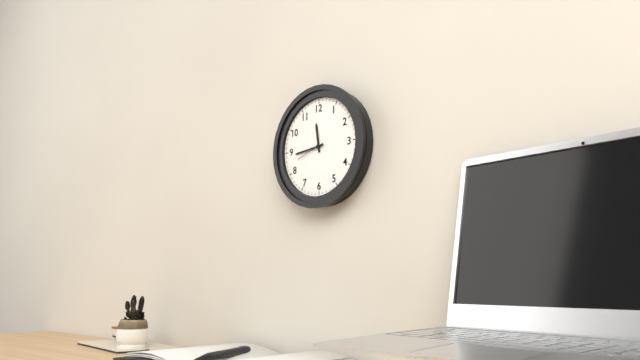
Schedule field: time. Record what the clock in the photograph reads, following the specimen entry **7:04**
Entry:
**11:44**
